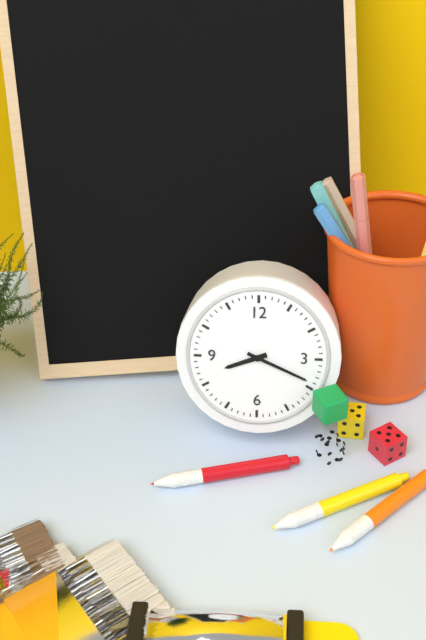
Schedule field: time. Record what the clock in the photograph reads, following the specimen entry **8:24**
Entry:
**8:19**
